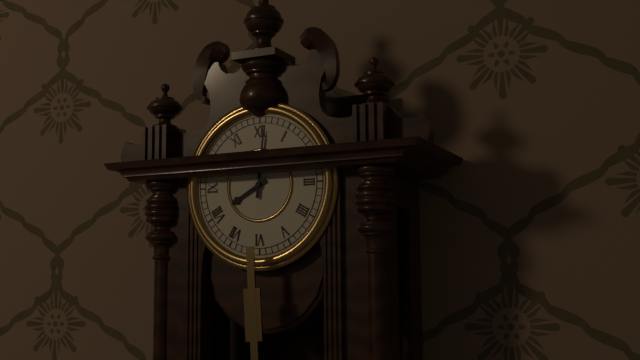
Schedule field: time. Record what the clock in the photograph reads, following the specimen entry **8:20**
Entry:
**8:01**
